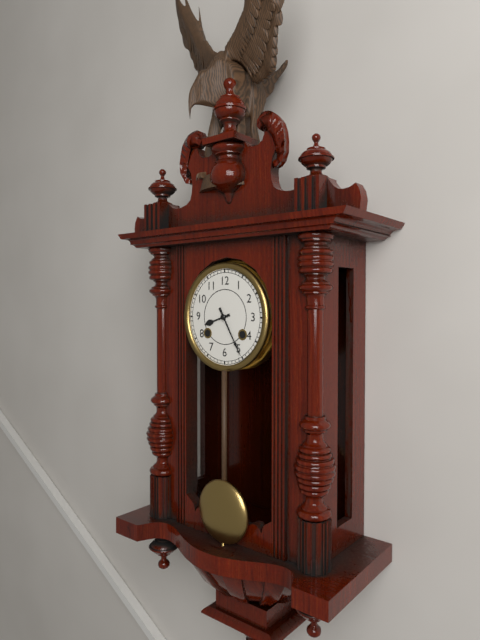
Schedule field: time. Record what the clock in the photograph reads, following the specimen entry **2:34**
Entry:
**8:25**
